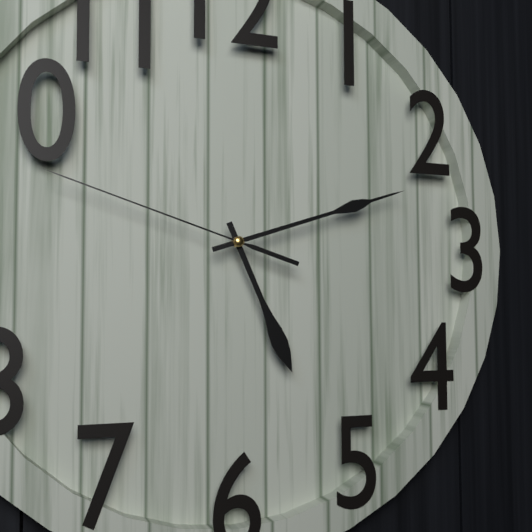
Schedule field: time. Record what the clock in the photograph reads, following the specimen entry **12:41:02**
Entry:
**5:12:48**
